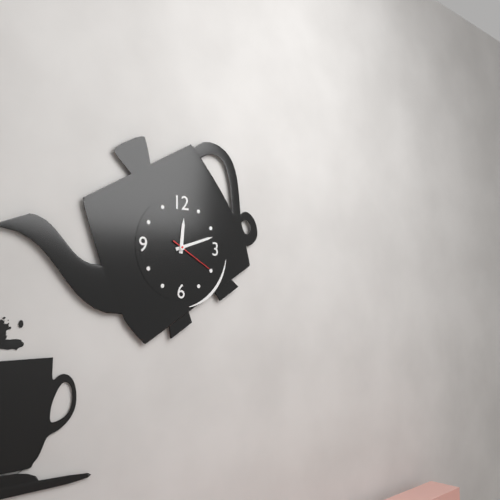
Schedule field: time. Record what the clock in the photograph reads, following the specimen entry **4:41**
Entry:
**12:12**
